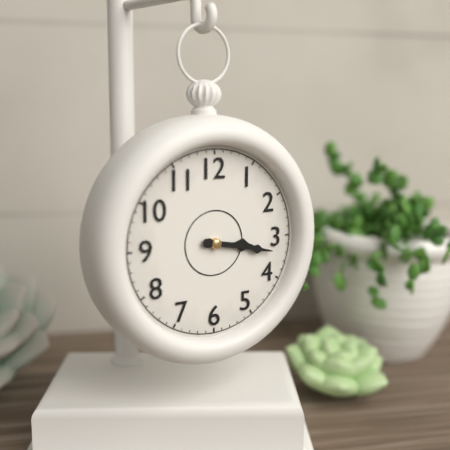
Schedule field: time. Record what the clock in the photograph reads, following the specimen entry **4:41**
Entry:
**3:17**
